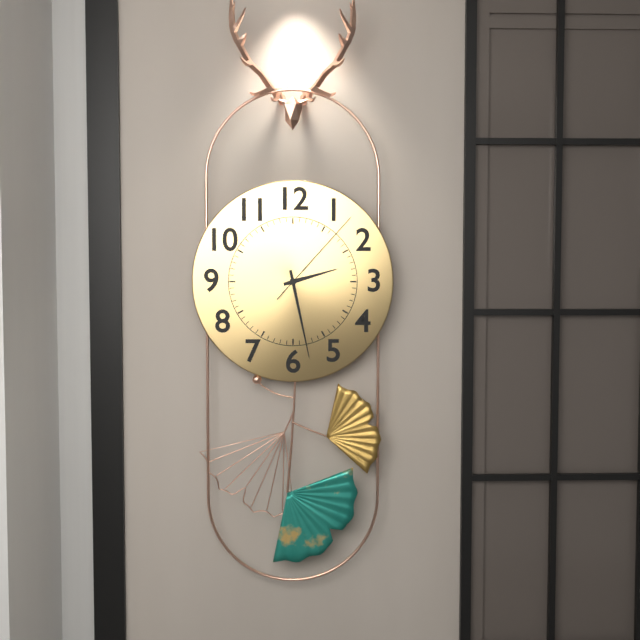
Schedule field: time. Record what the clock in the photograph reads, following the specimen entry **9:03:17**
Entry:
**2:28:07**
